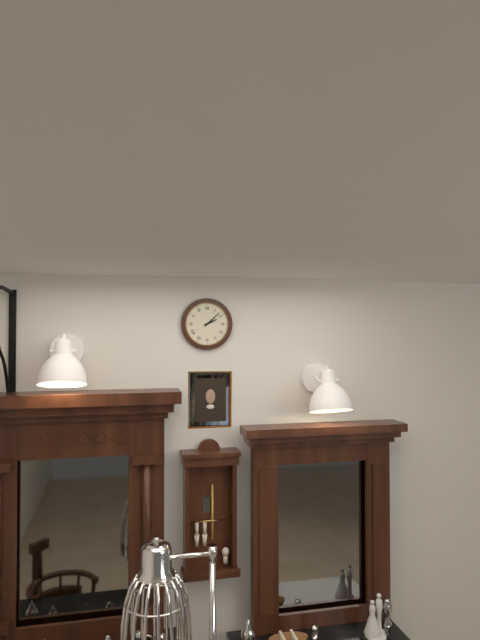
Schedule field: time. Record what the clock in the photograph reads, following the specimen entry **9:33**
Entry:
**2:08**
